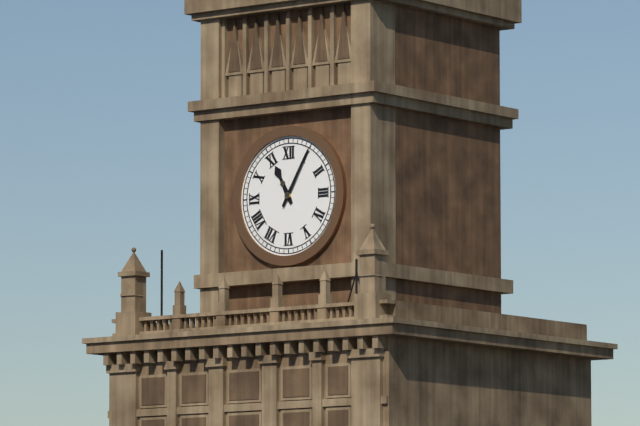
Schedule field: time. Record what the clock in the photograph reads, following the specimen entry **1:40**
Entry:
**11:05**
